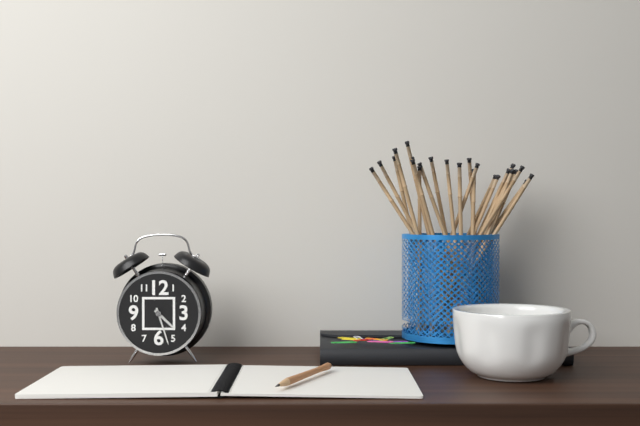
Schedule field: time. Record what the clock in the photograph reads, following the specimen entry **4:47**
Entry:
**4:27**
